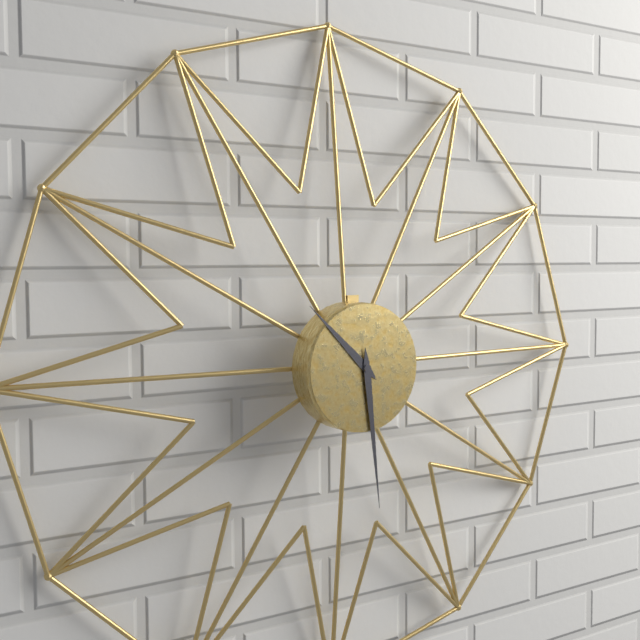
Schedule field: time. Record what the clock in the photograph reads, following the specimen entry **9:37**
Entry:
**10:29**
